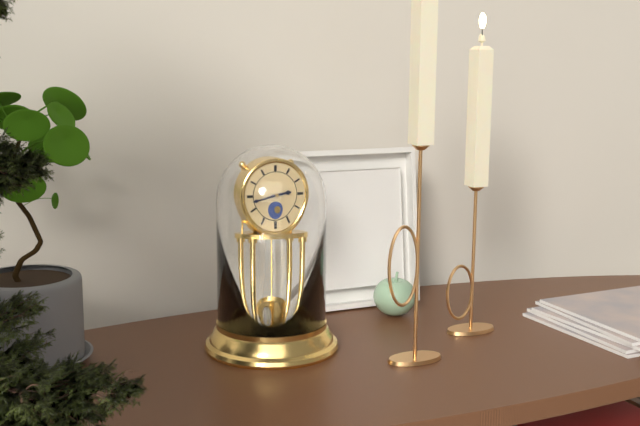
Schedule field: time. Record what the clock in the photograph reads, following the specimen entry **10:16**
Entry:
**2:43**
